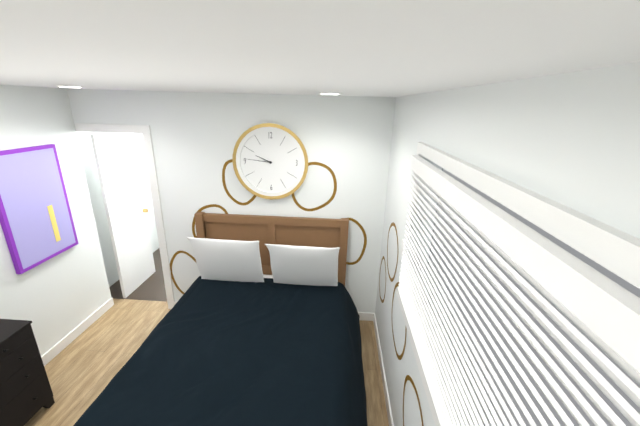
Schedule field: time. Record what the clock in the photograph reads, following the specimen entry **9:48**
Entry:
**9:46**
